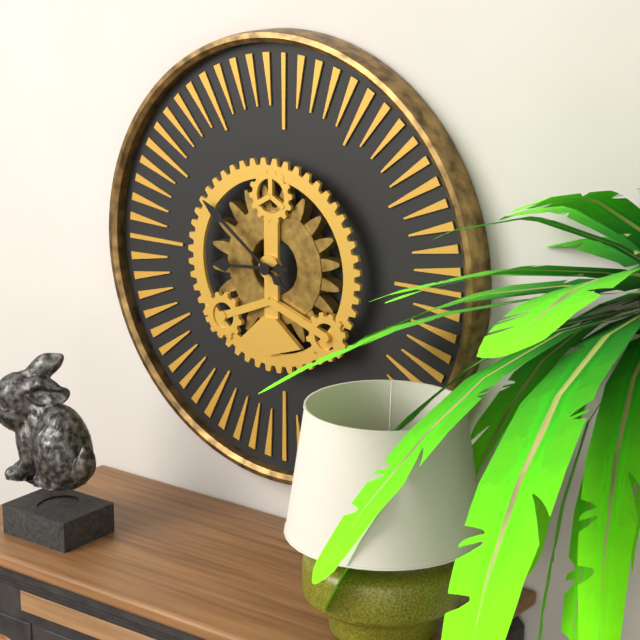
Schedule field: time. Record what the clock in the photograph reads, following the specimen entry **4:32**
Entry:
**8:51**
